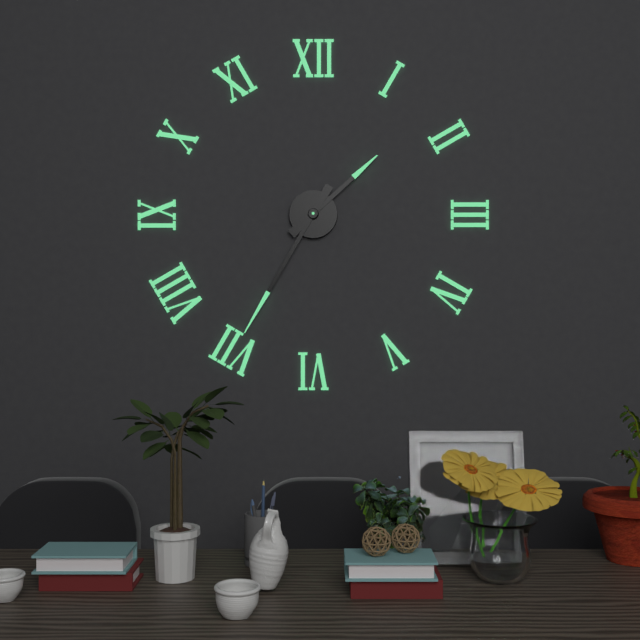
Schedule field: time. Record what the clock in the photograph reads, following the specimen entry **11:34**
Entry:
**1:35**
